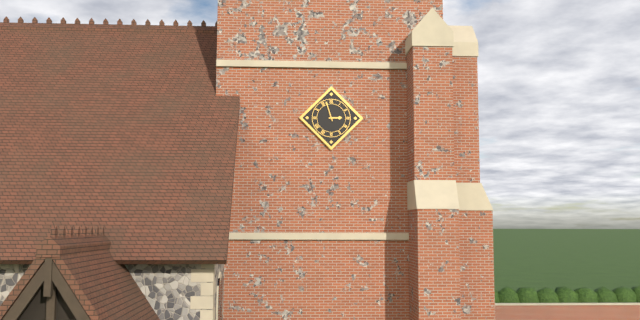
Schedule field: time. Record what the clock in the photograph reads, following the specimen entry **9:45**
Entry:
**2:57**
